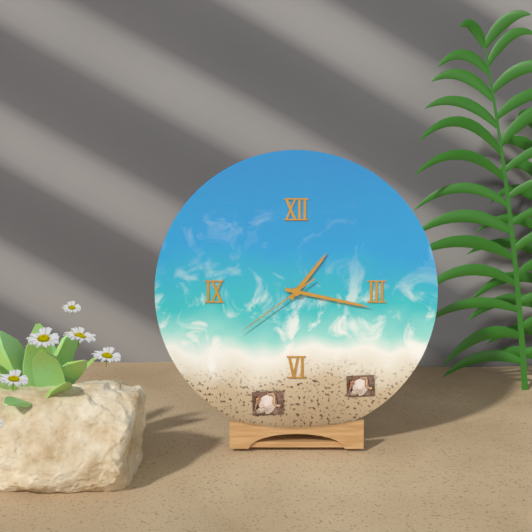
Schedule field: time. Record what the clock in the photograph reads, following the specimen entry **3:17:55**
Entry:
**1:17:39**
